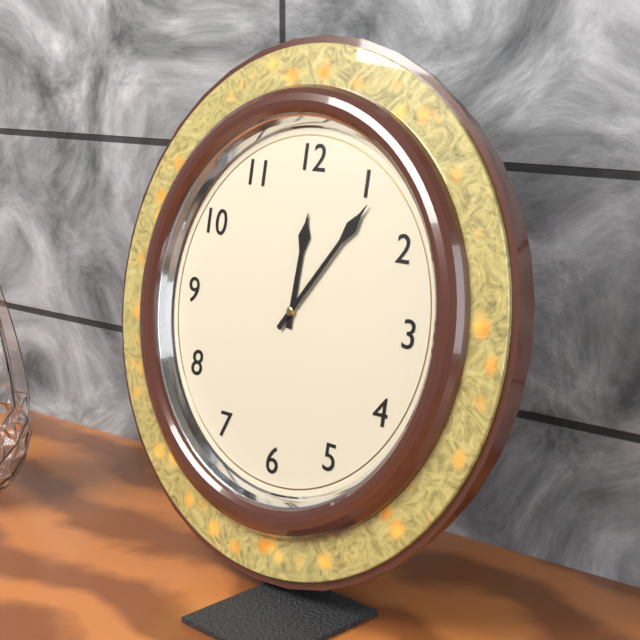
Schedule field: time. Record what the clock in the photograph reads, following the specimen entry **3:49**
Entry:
**12:06**
